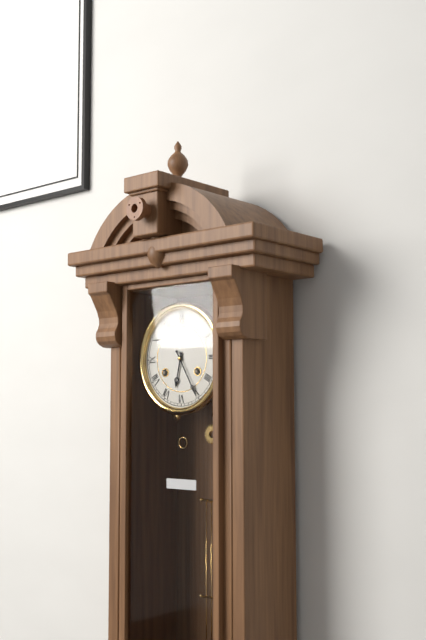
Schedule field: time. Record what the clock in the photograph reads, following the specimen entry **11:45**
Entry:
**6:25**
